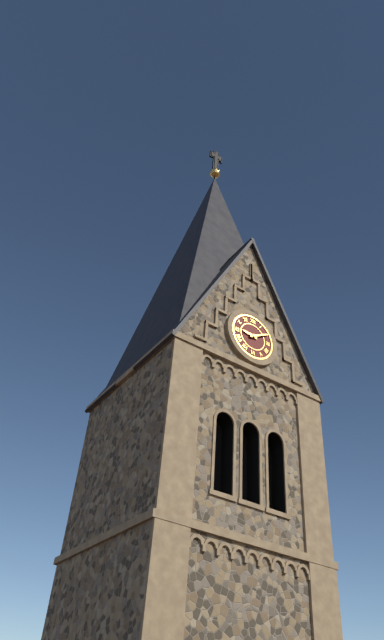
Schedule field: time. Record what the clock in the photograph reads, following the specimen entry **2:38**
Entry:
**9:10**
